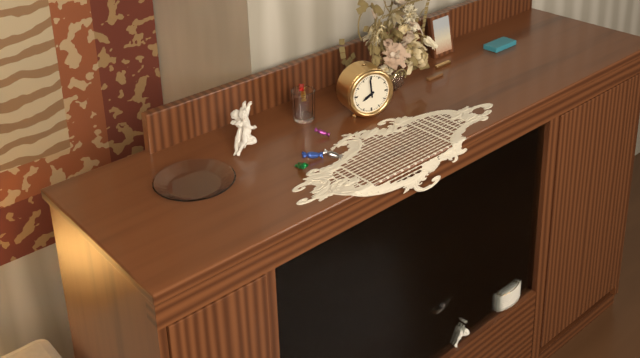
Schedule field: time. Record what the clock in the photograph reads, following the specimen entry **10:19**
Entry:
**7:59**
